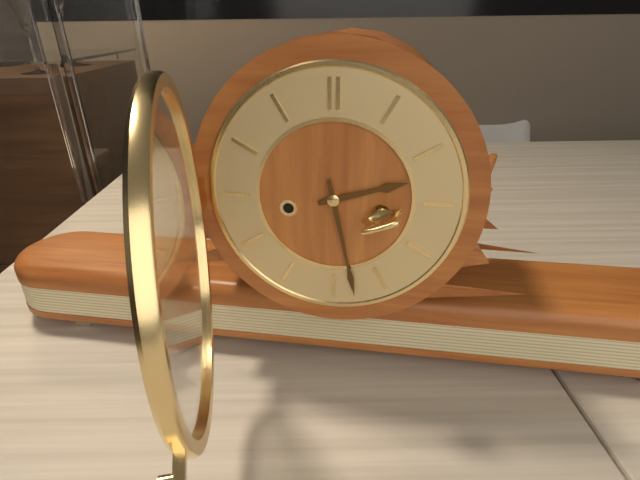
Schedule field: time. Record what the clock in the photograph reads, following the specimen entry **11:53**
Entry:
**2:28**
